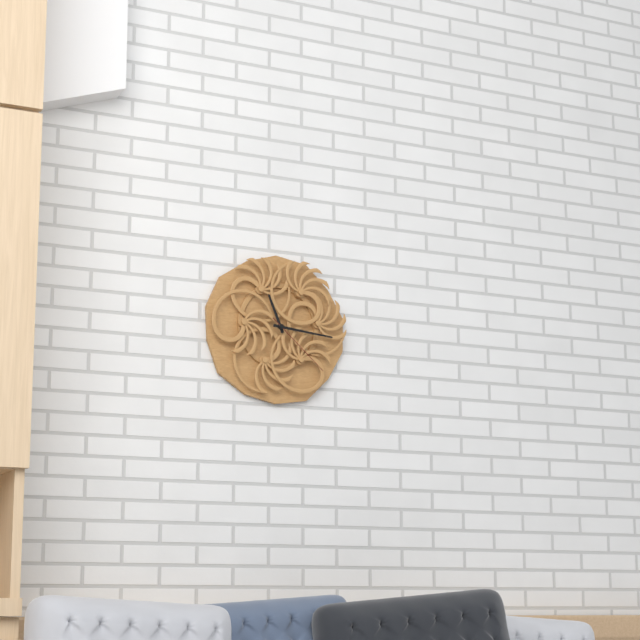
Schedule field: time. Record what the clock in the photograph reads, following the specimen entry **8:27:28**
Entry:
**11:16:22**
